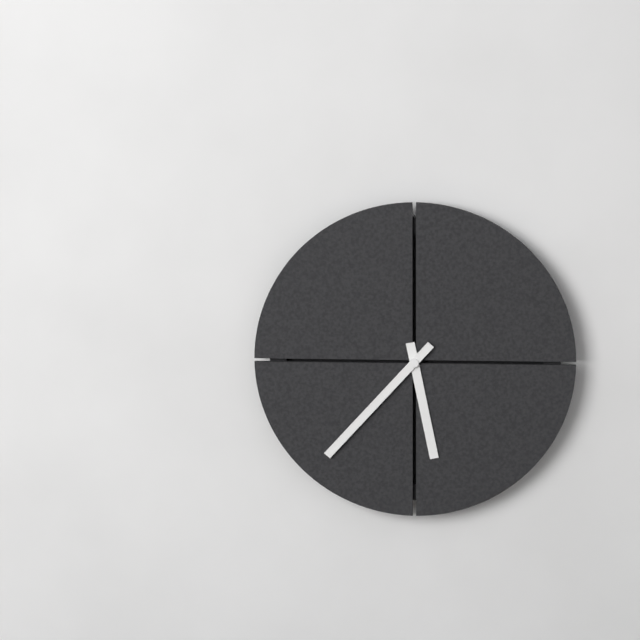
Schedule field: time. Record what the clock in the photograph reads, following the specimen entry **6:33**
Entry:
**5:37**
